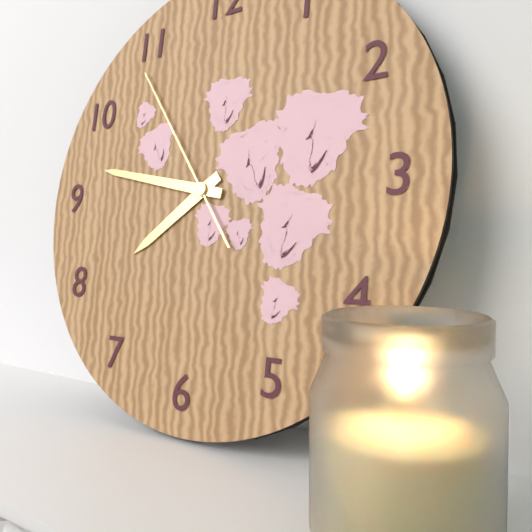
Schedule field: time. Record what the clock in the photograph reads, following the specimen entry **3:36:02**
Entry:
**7:47:54**
